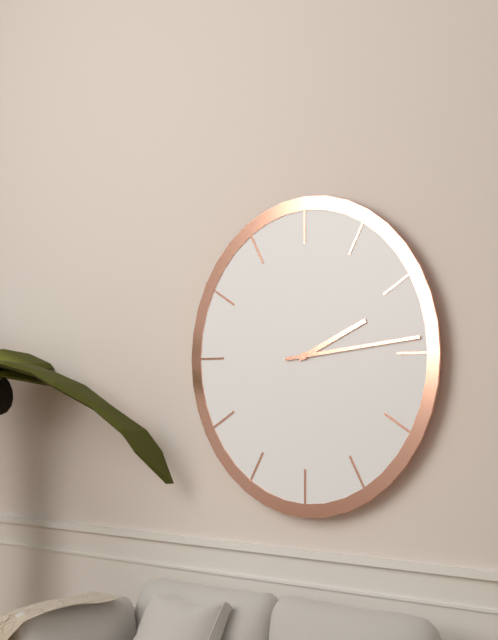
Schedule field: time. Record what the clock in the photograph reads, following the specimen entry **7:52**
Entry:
**2:14**
